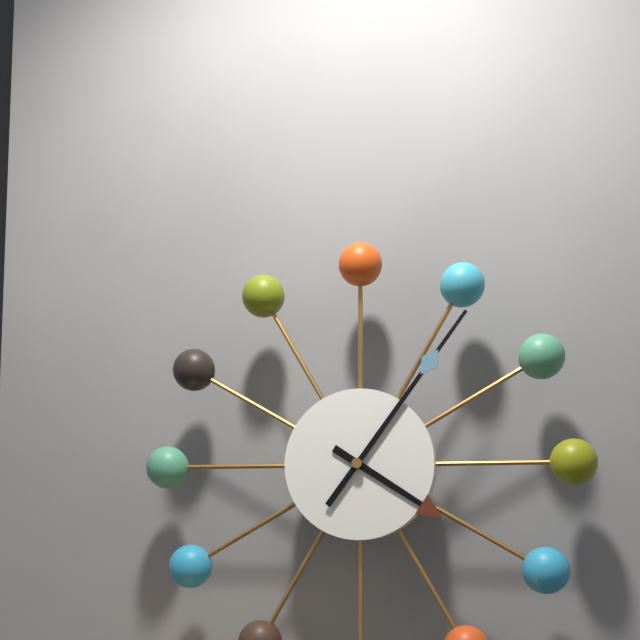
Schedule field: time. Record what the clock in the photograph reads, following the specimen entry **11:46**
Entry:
**4:06**
